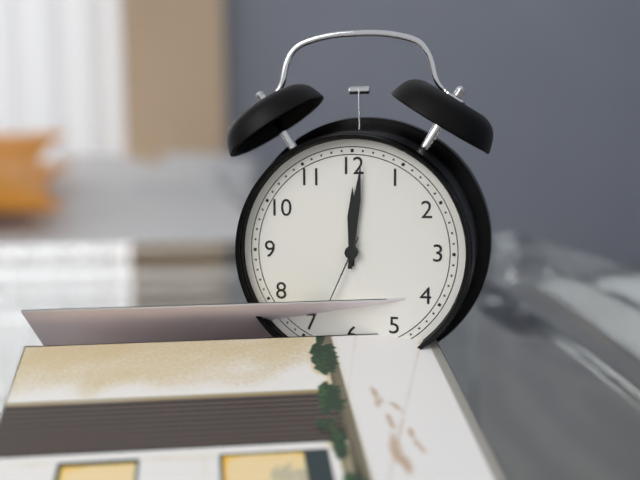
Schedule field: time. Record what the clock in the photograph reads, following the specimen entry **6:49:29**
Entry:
**12:01:34**
